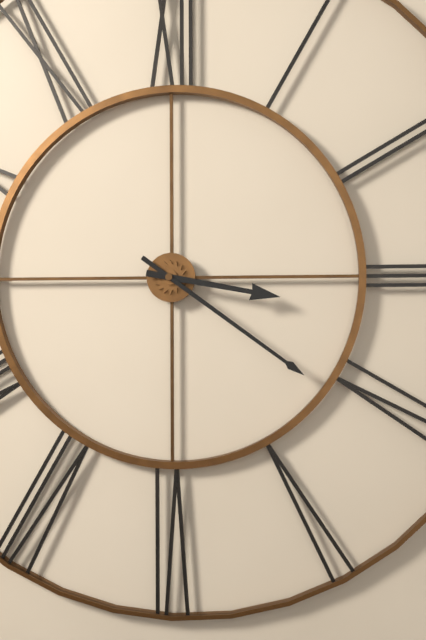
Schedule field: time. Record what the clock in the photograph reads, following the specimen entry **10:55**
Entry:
**3:21**
